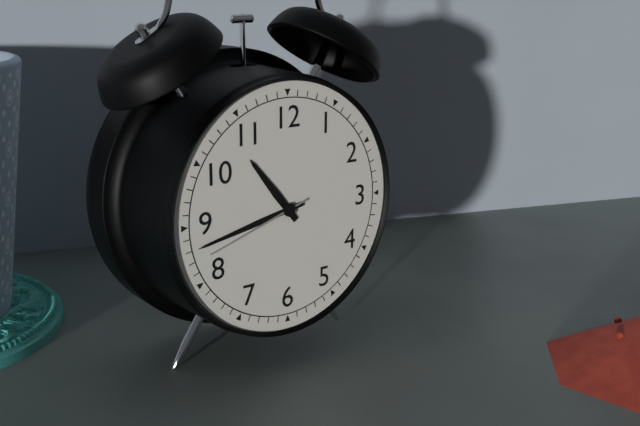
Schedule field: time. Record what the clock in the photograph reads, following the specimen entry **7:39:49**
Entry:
**10:43:42**
